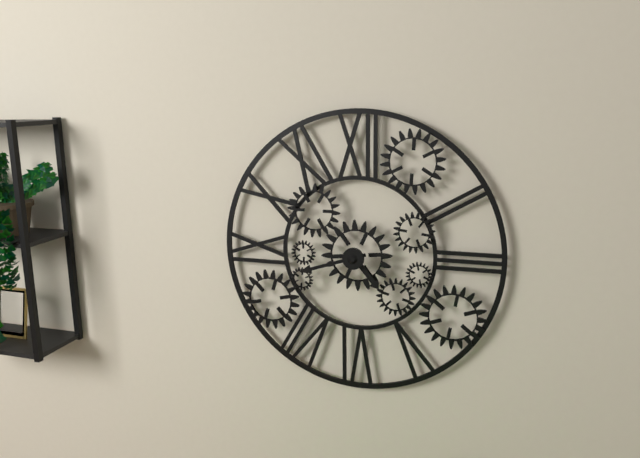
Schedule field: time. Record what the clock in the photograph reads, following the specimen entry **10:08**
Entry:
**4:42**
